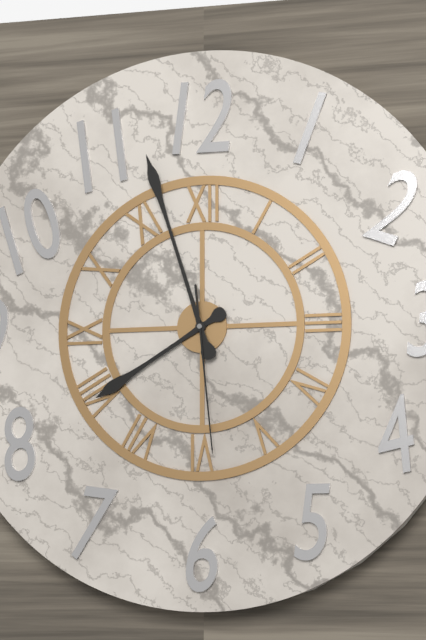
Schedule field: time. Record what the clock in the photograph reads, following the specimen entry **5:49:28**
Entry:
**7:57:29**
